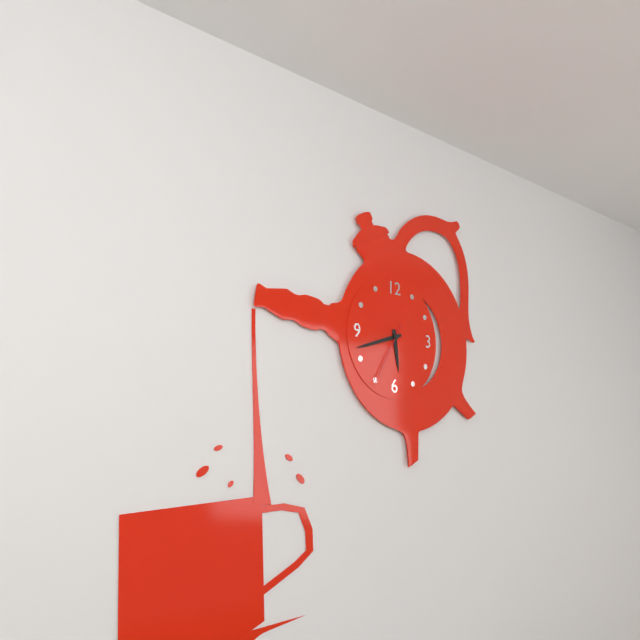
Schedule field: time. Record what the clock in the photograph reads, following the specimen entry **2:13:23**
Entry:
**5:42:35**
